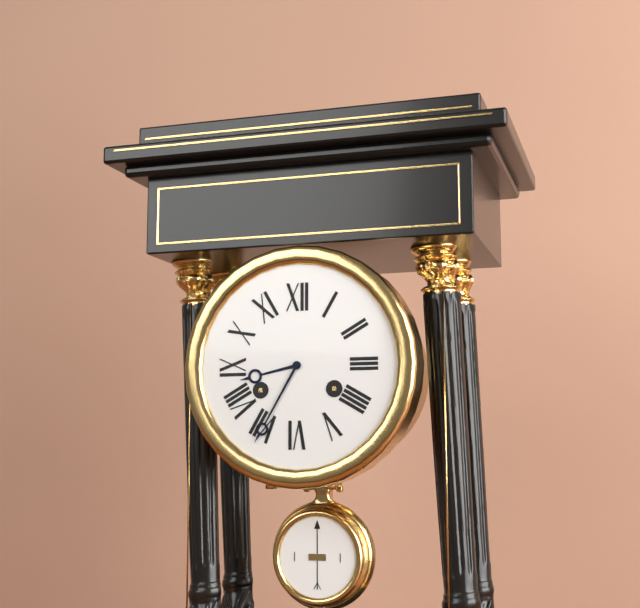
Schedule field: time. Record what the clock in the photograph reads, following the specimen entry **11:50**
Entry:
**8:35**
